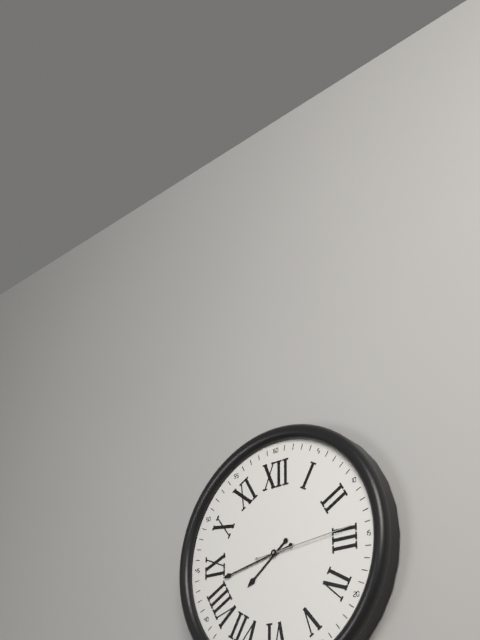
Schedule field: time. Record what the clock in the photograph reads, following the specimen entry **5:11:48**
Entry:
**7:43:14**
